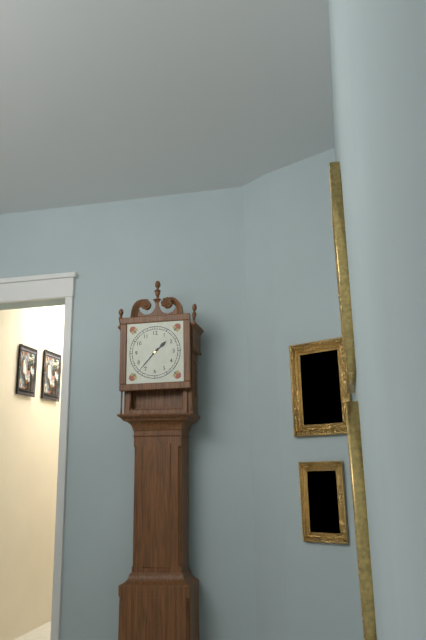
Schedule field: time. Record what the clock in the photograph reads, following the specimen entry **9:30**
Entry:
**1:37**
